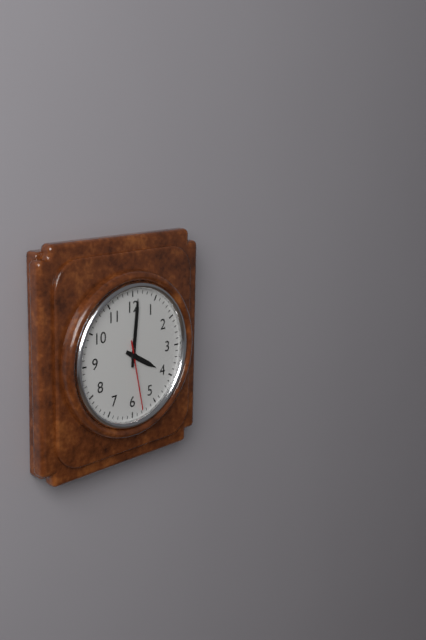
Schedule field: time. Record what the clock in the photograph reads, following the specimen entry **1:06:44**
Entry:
**4:01:28**
